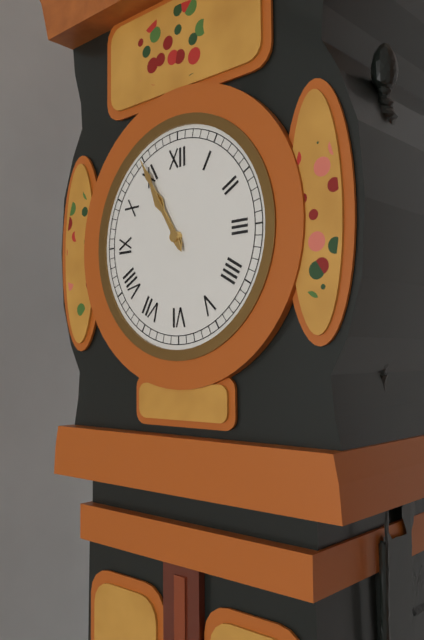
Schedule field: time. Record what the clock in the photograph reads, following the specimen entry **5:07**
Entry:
**10:55**
